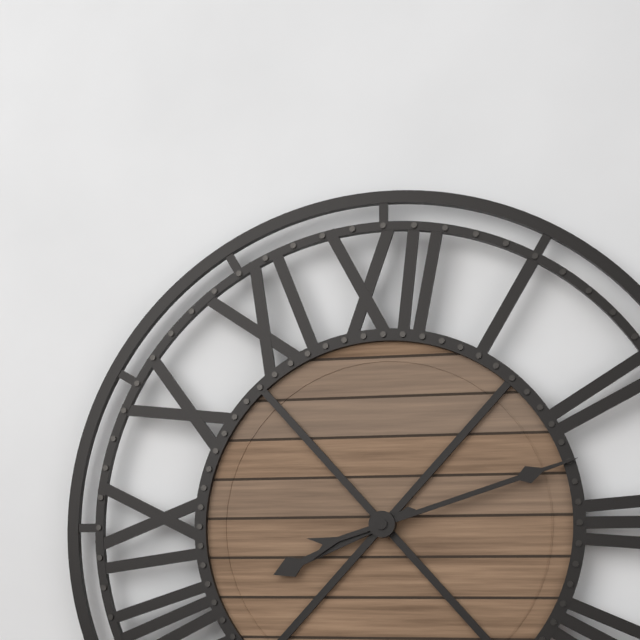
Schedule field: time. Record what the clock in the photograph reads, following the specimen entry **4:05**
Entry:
**8:12**
